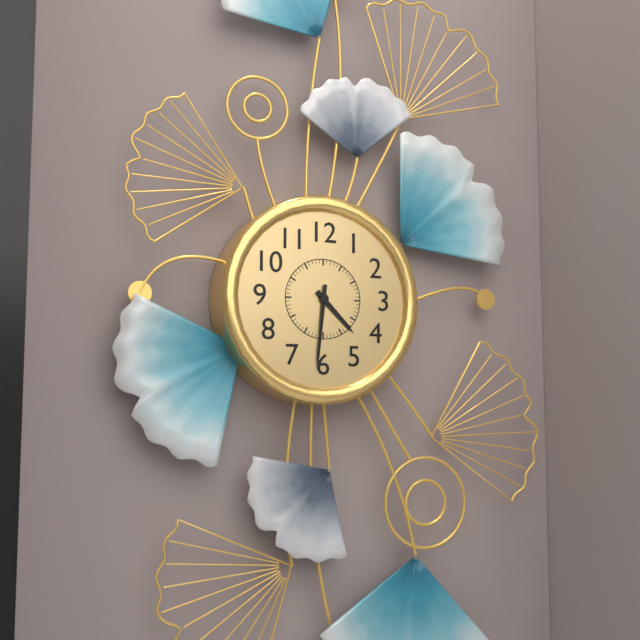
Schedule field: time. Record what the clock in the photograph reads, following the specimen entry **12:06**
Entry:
**4:31**
